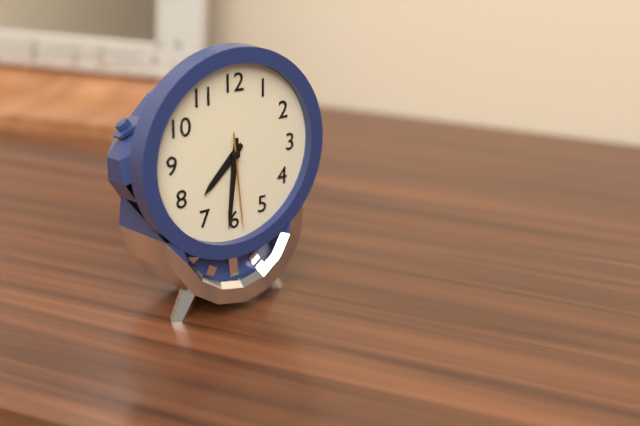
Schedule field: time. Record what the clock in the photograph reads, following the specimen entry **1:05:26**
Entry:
**7:31:29**
